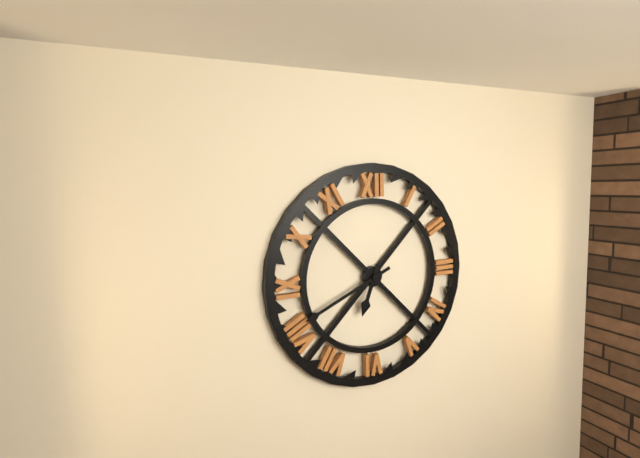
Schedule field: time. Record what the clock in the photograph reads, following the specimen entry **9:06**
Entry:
**6:41**
